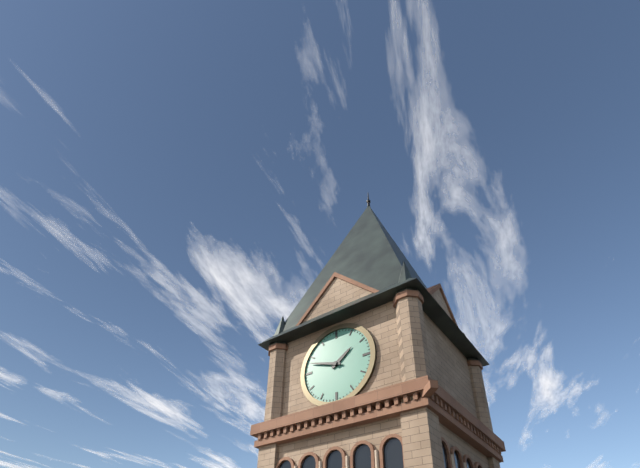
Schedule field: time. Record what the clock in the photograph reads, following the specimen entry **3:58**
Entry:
**1:48**
